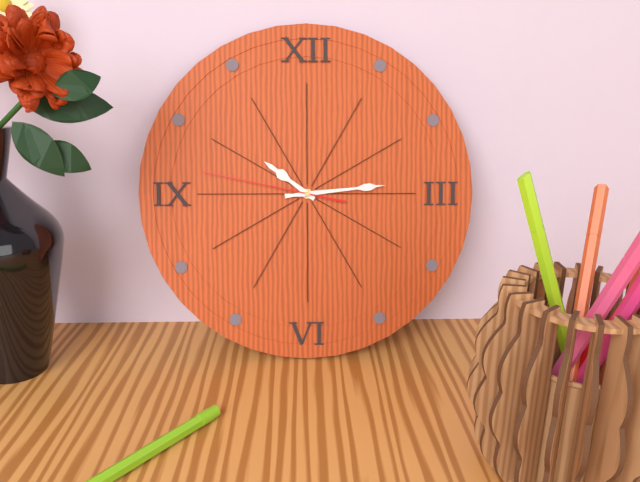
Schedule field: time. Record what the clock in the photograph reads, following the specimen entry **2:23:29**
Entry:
**10:14:47**
